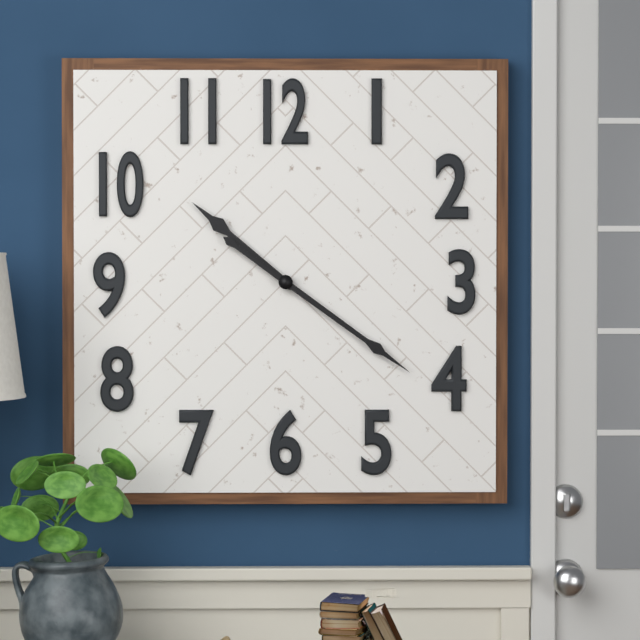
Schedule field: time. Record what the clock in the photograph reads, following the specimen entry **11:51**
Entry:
**10:21**
